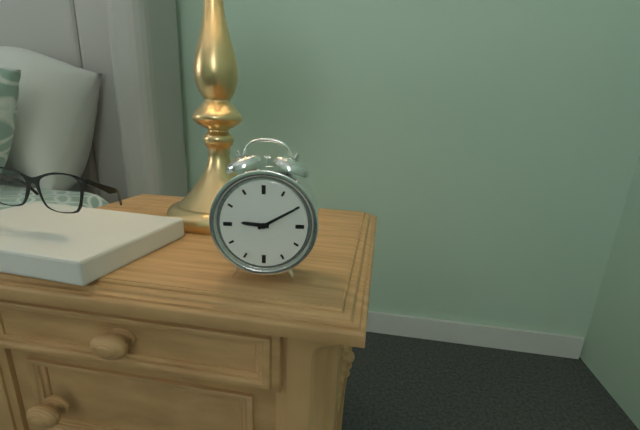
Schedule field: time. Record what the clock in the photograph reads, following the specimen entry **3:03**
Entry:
**9:10**
